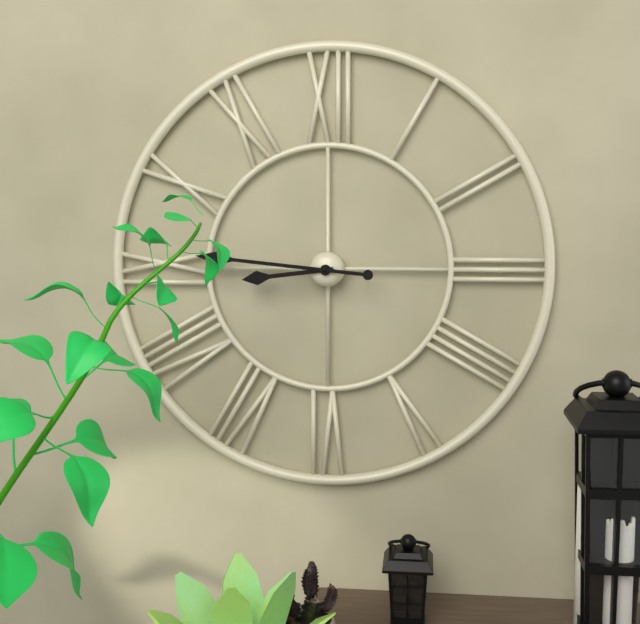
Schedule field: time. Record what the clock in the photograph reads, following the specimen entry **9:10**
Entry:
**8:46**
